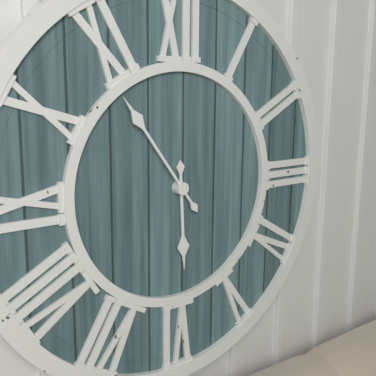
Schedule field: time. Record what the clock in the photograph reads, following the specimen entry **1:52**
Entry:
**5:54**
